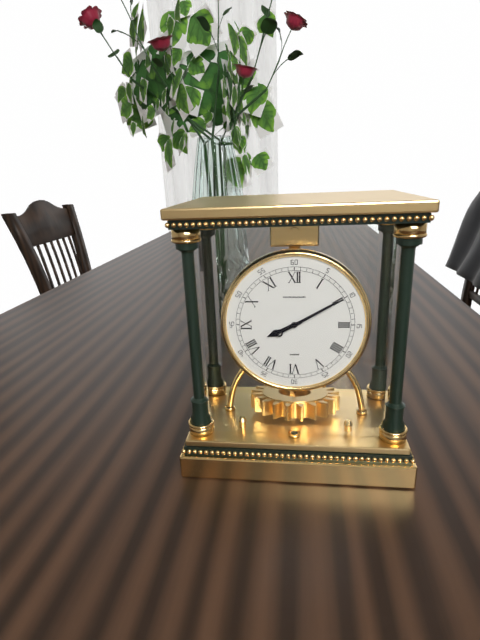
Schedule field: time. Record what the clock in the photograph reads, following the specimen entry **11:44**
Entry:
**8:10**
